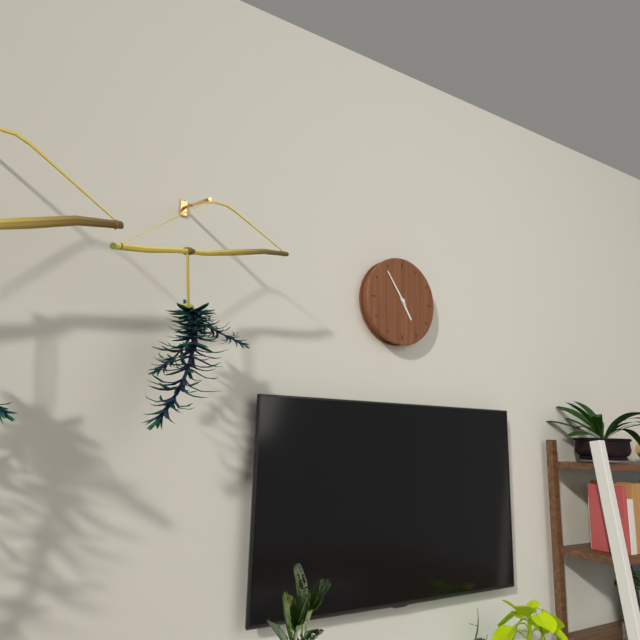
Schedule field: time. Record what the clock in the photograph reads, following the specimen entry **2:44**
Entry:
**4:54**
